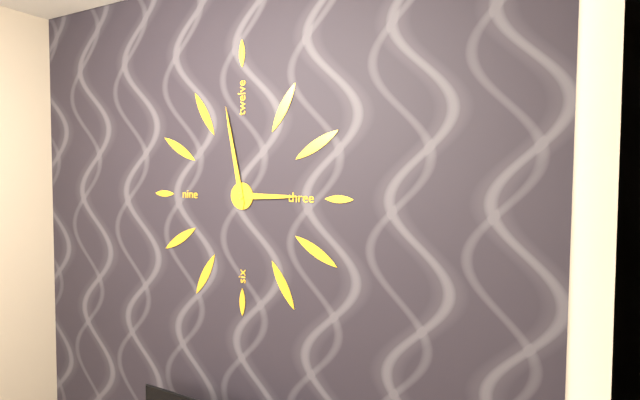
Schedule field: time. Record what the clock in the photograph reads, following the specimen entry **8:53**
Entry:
**2:58**
